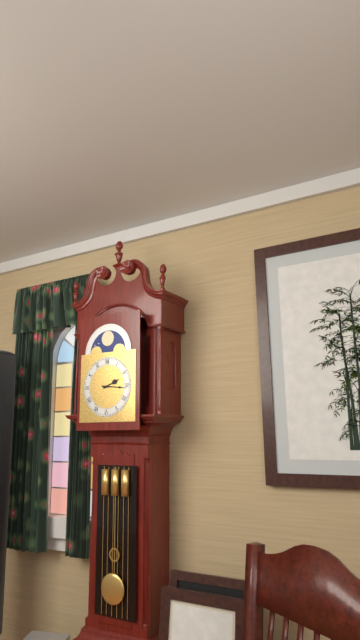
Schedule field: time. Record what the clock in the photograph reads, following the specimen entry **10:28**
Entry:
**2:16**
